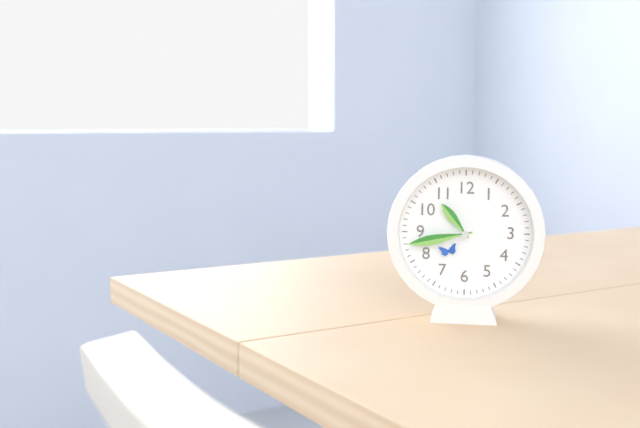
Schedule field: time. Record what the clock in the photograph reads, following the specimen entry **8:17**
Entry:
**10:43**
